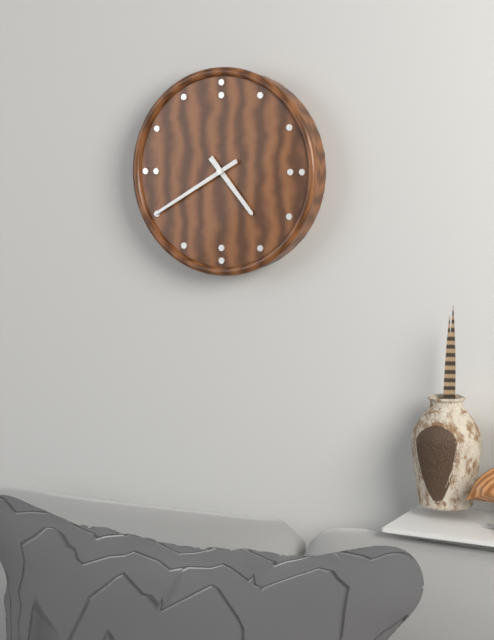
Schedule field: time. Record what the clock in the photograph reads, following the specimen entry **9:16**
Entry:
**4:40**
